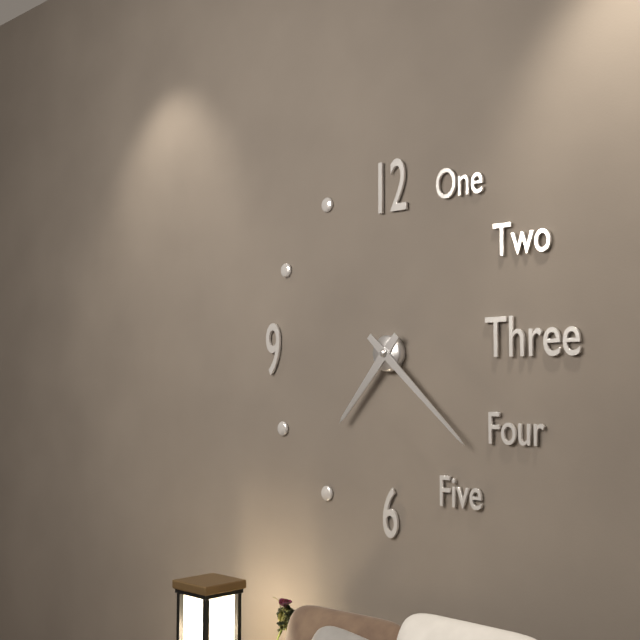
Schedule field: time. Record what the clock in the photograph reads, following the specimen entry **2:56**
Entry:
**7:22**
